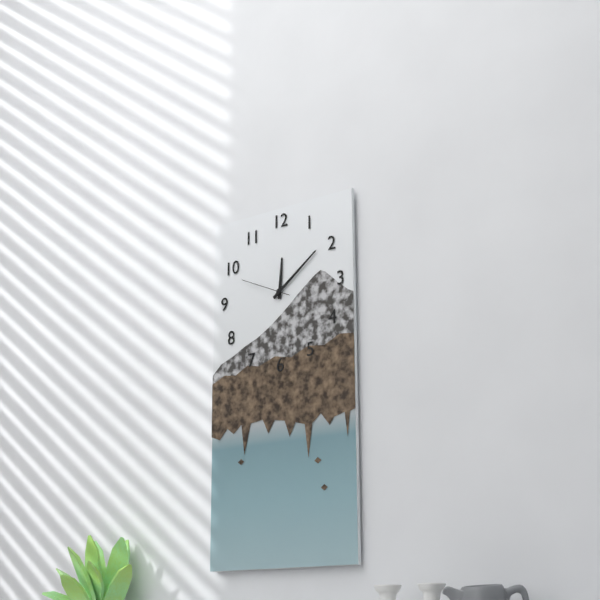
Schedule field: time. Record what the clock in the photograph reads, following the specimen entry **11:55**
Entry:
**12:09**
